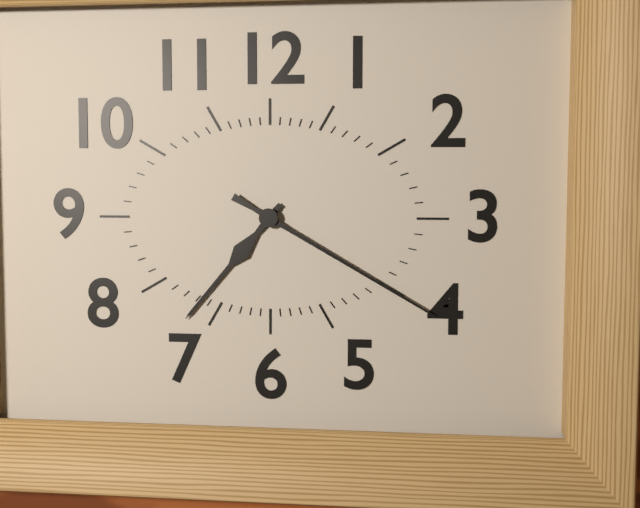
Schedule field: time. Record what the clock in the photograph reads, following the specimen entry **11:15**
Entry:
**7:20**
